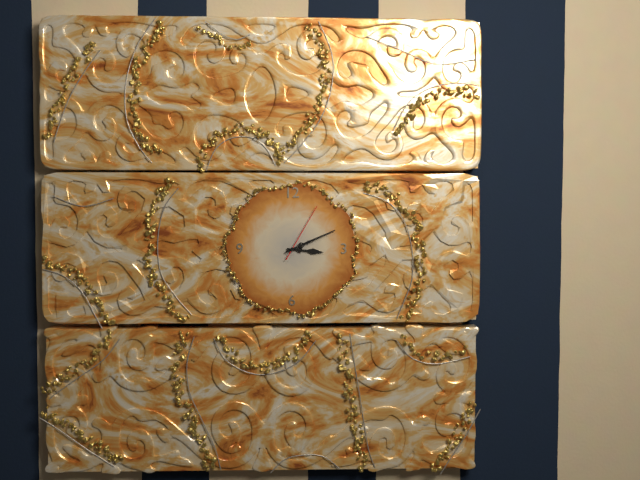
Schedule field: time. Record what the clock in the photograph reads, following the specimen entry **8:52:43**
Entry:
**3:11:05**
